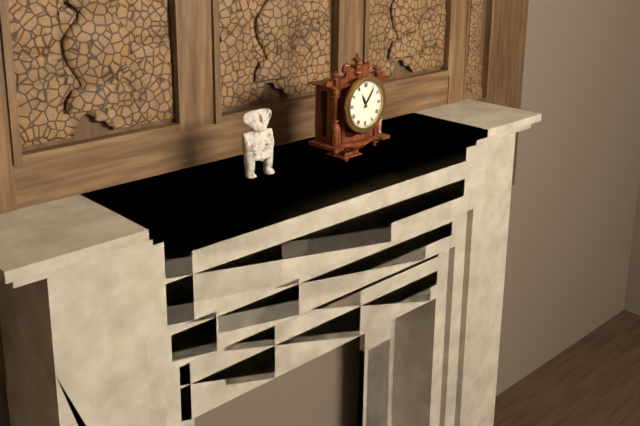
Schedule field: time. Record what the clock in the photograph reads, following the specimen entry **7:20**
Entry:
**11:06**
